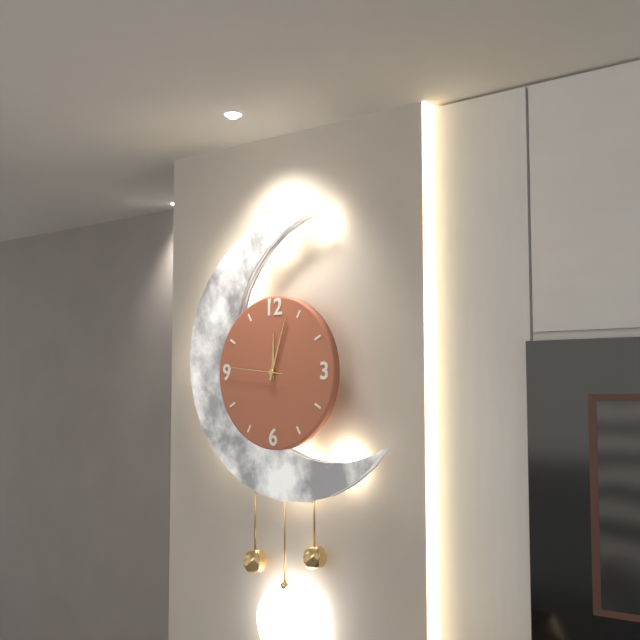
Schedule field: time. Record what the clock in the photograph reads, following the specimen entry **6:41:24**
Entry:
**12:03:46**
